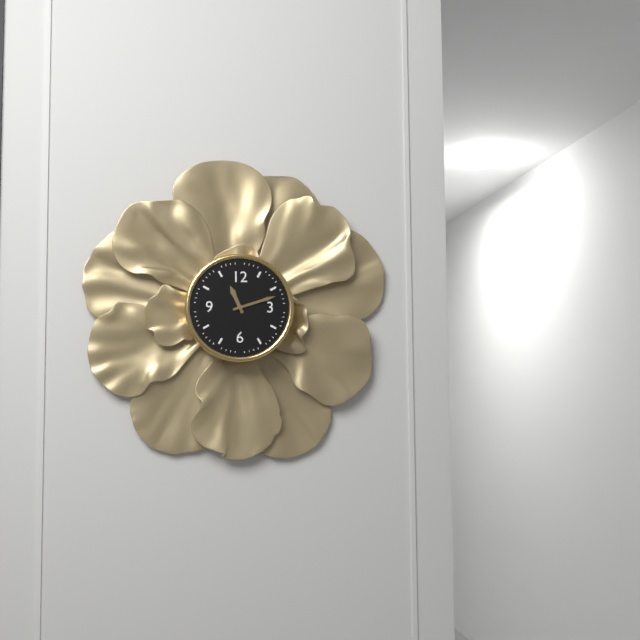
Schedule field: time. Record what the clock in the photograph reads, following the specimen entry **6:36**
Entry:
**11:12**
